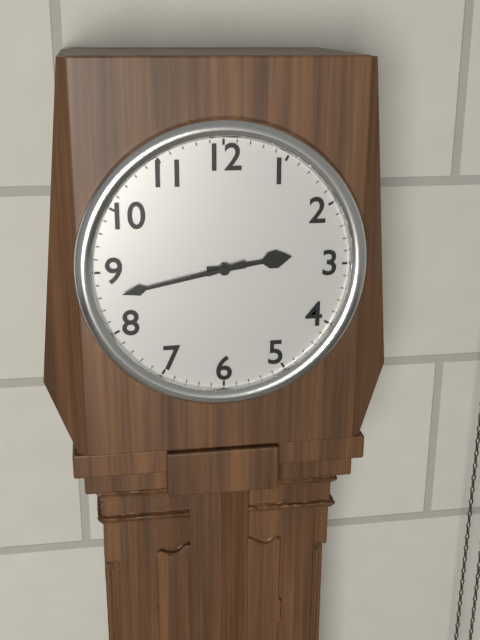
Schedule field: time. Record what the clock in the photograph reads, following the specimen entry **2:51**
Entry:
**2:43**
